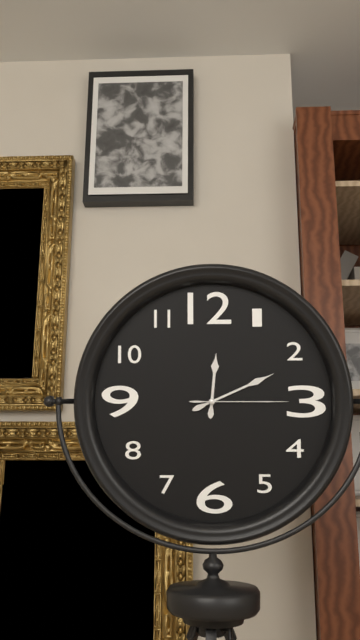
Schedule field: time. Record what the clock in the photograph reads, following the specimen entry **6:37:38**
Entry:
**12:11:15**
